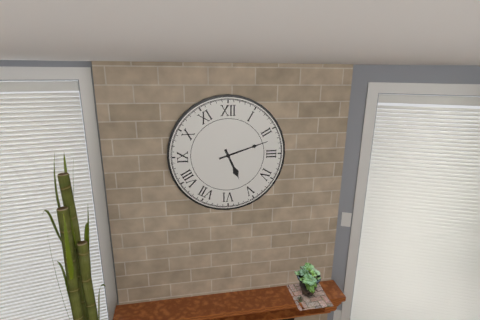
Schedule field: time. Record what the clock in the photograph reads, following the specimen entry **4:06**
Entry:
**5:12**
